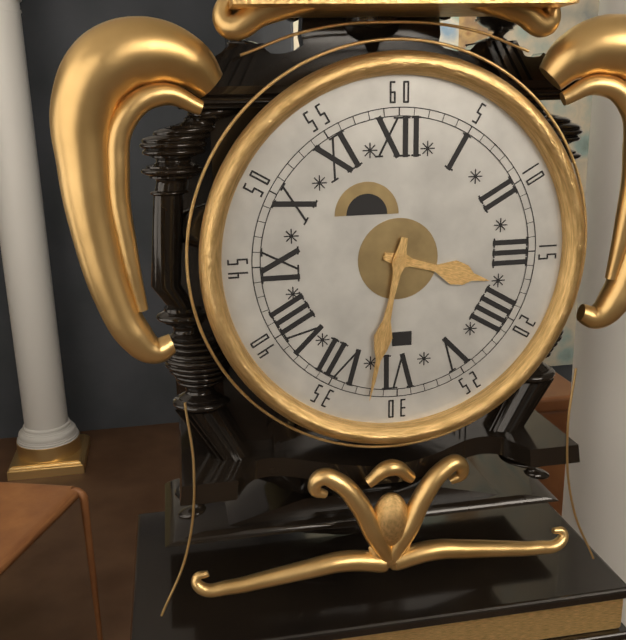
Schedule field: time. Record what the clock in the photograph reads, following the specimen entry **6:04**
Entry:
**3:32**
